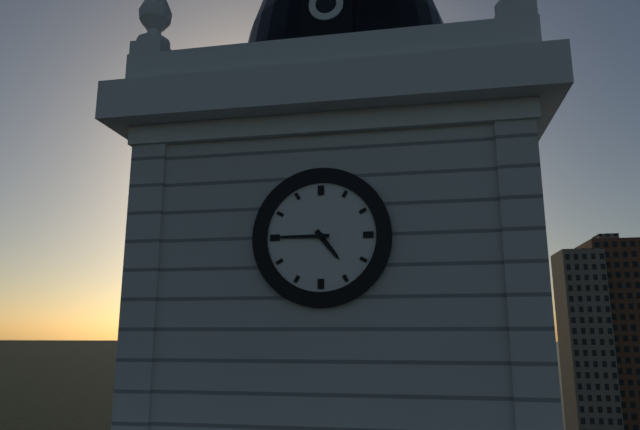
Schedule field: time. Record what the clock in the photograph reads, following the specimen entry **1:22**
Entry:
**4:45**
